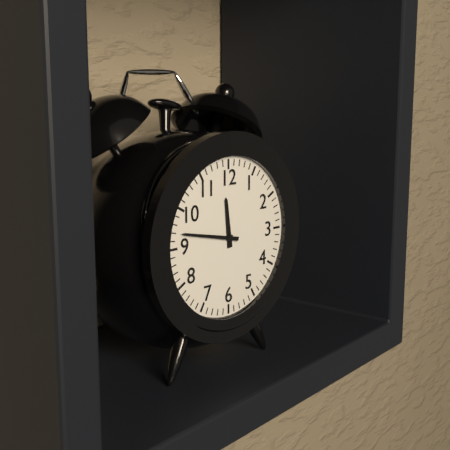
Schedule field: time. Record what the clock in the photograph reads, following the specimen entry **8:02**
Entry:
**11:47**
